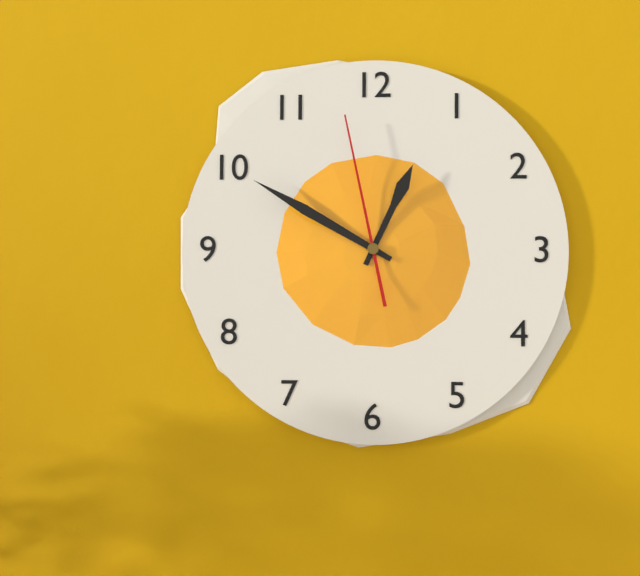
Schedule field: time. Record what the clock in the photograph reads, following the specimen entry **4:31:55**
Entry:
**12:50:58**
